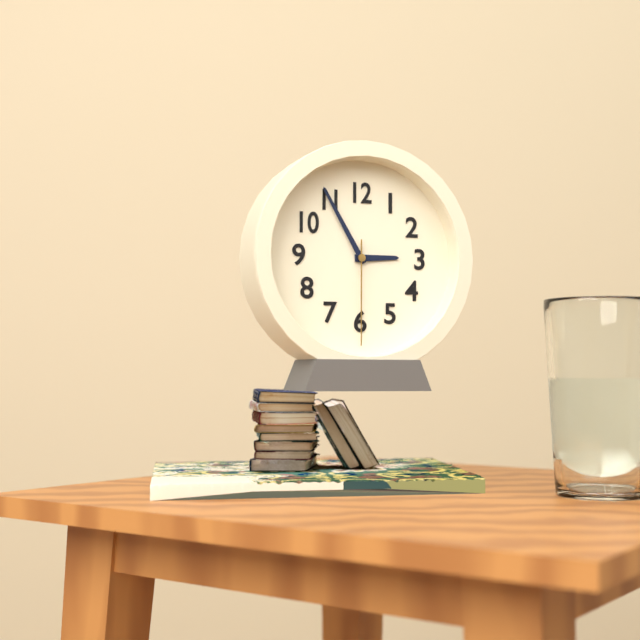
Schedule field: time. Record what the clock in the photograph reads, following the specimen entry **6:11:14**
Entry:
**2:55:30**
